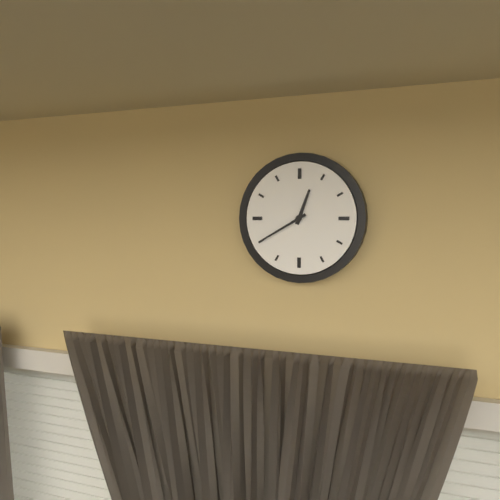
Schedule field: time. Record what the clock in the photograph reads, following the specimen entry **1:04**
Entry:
**12:40**
